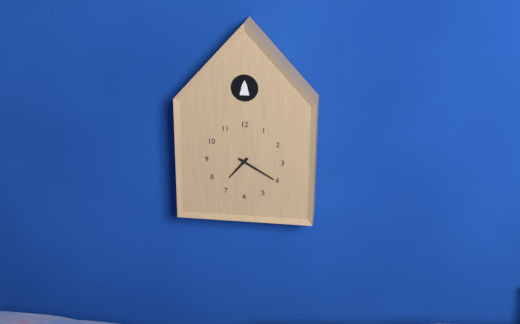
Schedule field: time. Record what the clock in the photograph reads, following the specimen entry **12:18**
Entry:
**7:20**
